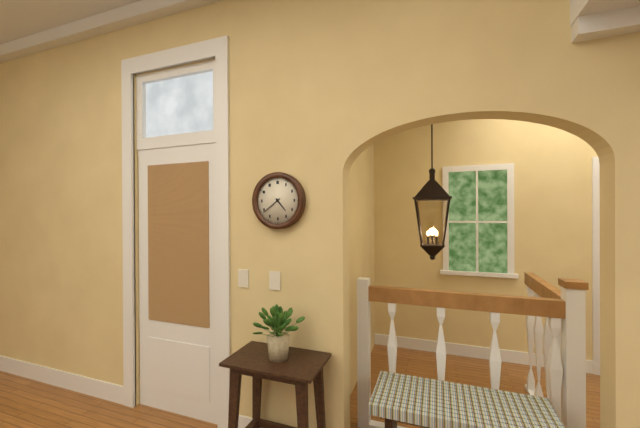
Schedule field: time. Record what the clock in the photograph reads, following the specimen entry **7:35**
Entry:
**4:39**
